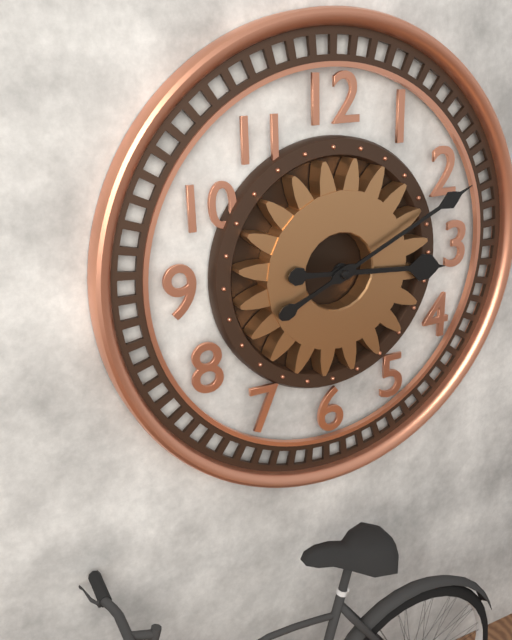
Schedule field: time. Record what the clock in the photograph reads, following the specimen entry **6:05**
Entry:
**3:11**
